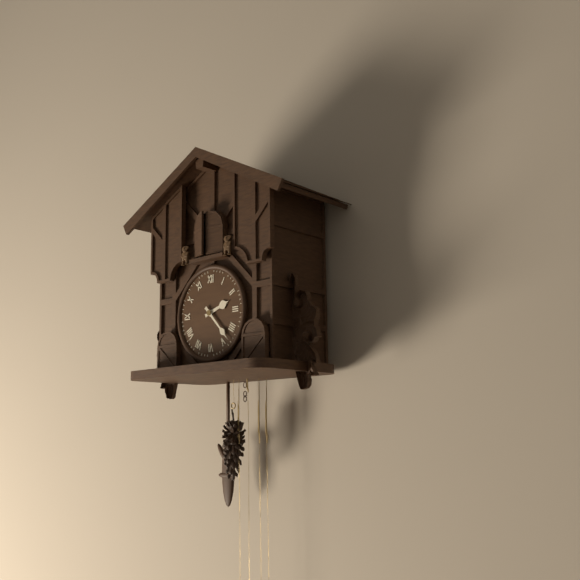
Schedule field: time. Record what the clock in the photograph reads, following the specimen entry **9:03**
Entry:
**2:23**
